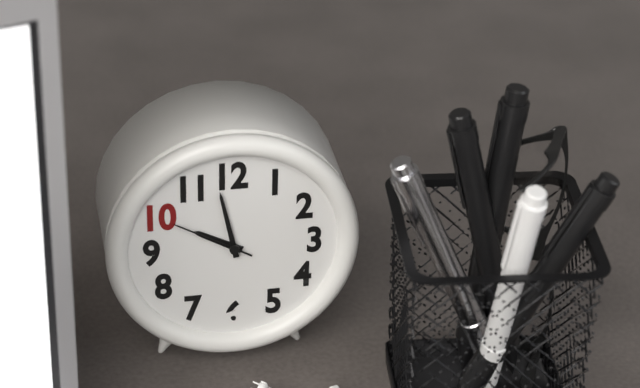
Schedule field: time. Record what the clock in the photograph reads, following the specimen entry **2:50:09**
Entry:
**9:58:50**
